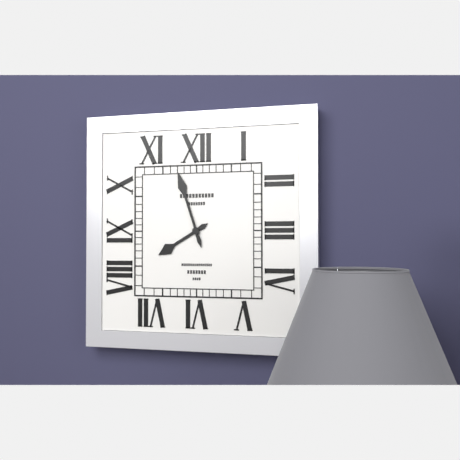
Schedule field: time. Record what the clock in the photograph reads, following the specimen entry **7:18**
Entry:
**7:57**
